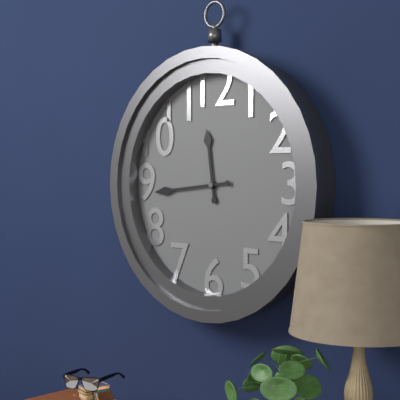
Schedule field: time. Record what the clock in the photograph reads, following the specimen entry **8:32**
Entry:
**11:44**
